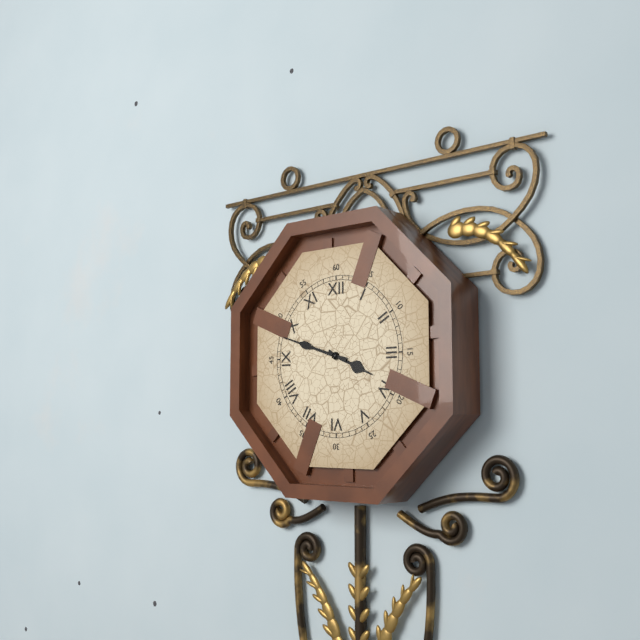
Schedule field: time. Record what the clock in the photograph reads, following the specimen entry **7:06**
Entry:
**3:48**
